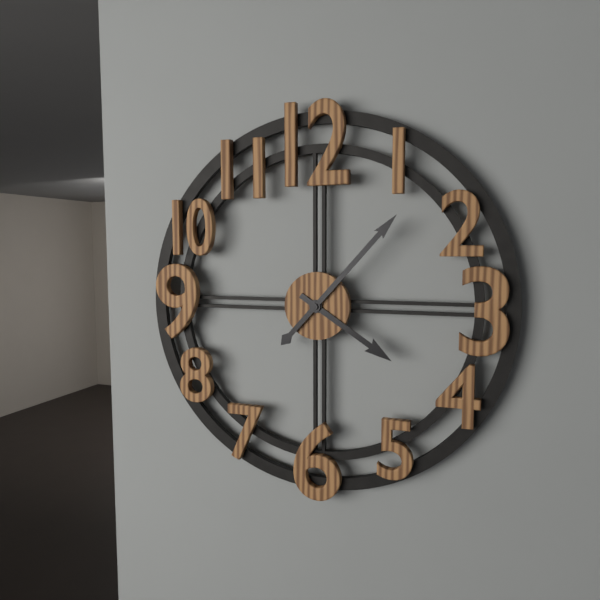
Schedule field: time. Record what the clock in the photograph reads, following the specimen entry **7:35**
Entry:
**4:07**
